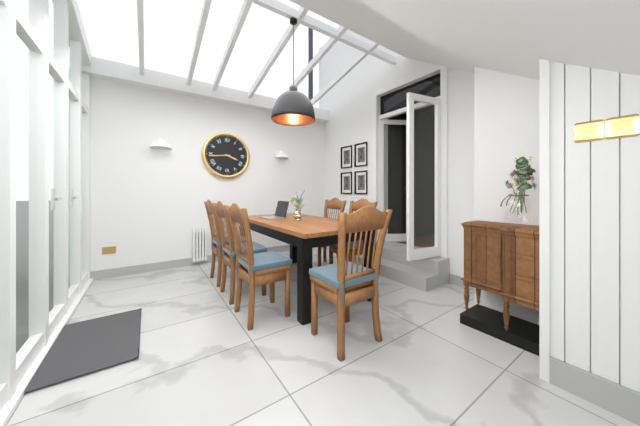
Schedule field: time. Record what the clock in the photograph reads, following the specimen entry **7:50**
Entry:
**3:44**
